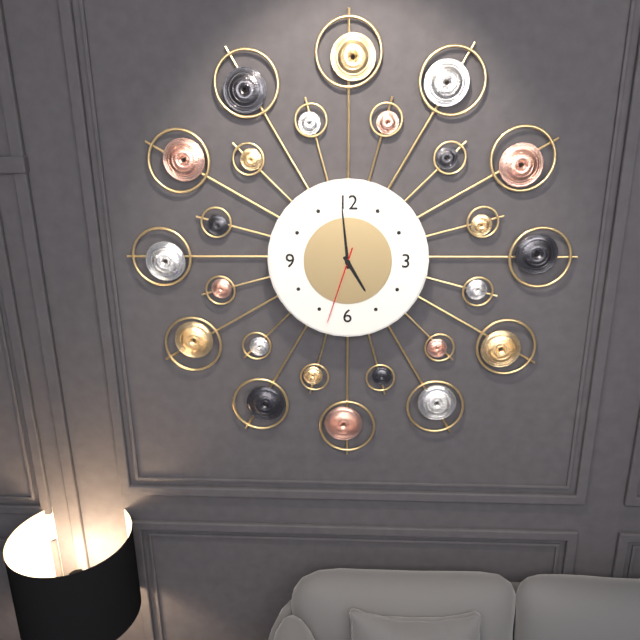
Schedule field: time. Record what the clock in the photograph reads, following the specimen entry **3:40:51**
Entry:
**4:59:33**
